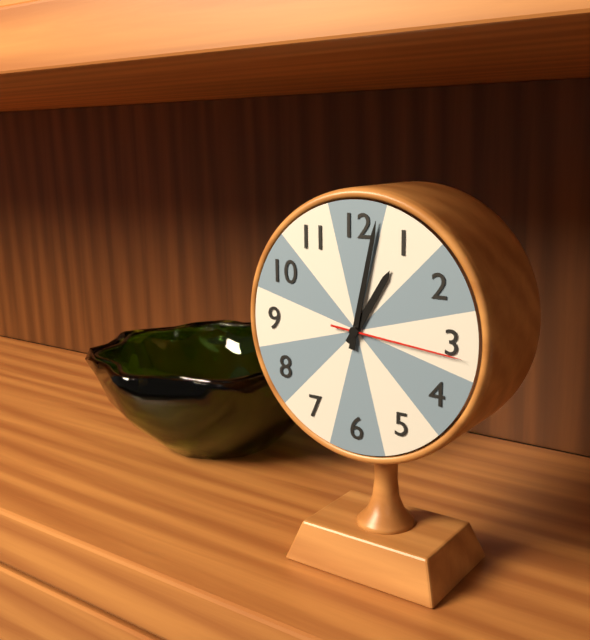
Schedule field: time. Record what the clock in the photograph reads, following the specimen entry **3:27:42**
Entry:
**1:02:16**
